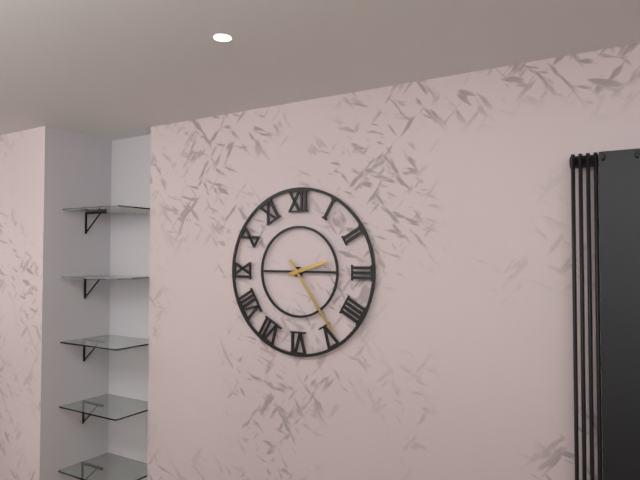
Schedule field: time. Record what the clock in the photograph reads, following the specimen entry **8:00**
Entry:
**2:24**
